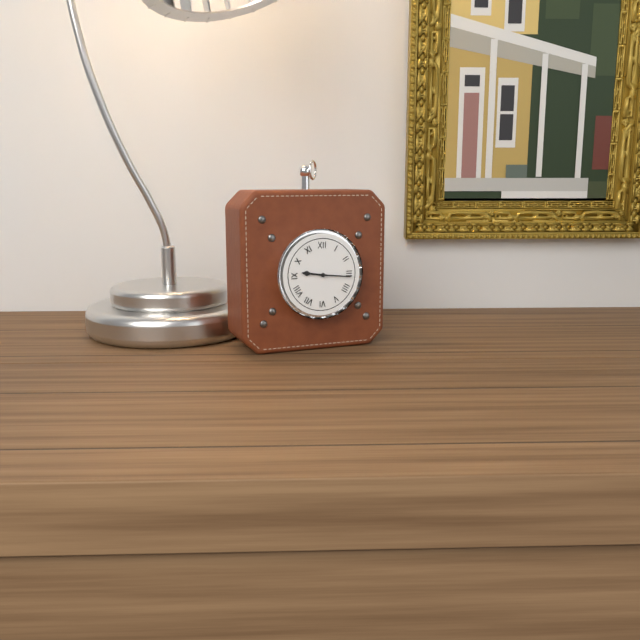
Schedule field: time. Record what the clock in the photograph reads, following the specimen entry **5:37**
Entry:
**9:16**
